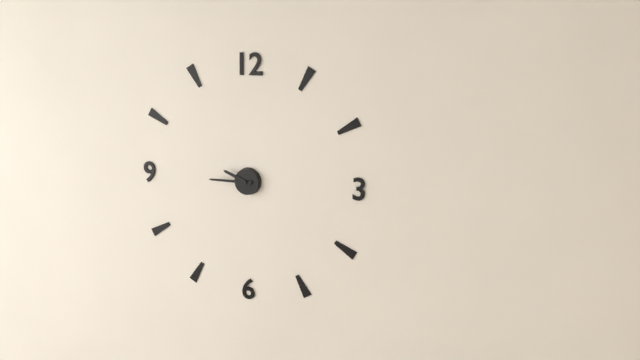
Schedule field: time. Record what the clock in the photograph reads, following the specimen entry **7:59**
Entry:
**9:45**
